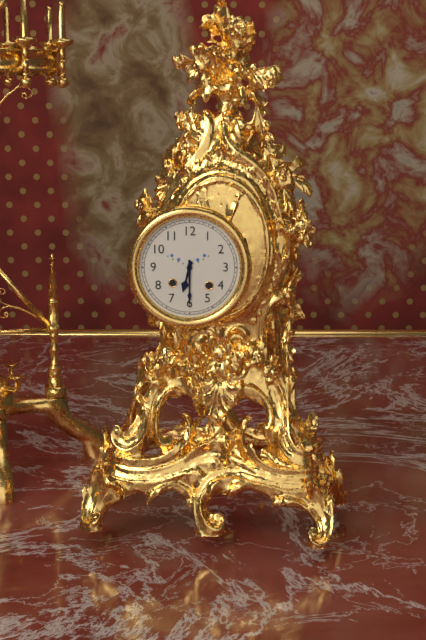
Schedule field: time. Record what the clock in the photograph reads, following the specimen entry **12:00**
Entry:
**6:30**
